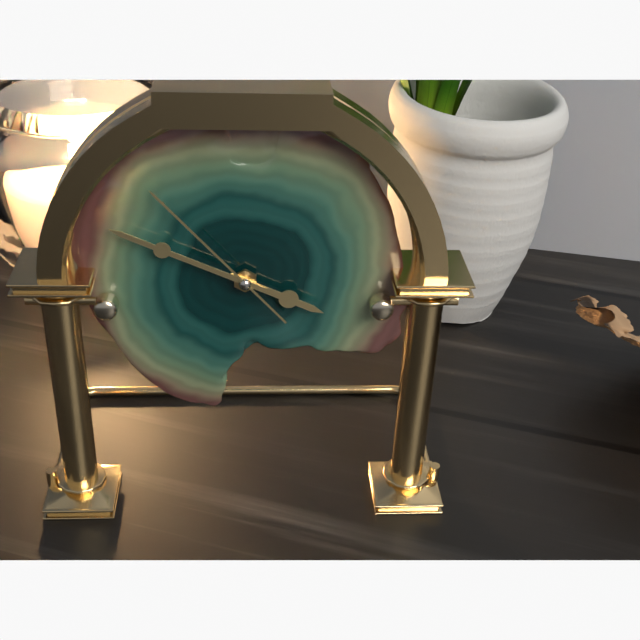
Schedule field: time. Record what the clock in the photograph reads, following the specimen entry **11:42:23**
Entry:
**3:49:53**
